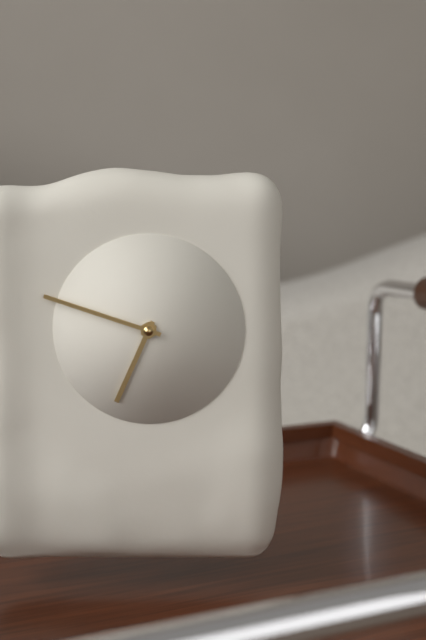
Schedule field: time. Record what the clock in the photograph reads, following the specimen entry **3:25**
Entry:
**6:48**
